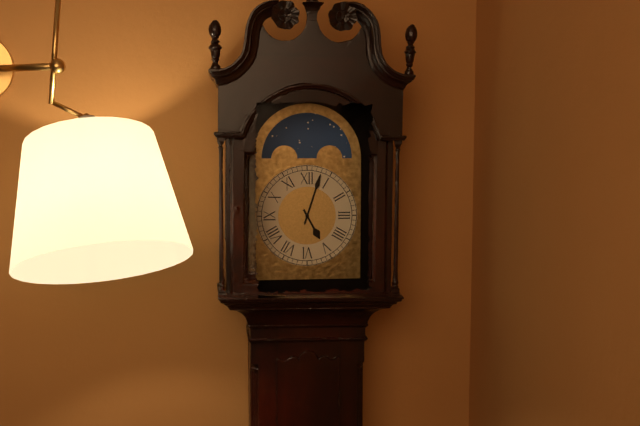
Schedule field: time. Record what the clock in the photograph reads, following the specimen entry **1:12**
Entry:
**5:03**
